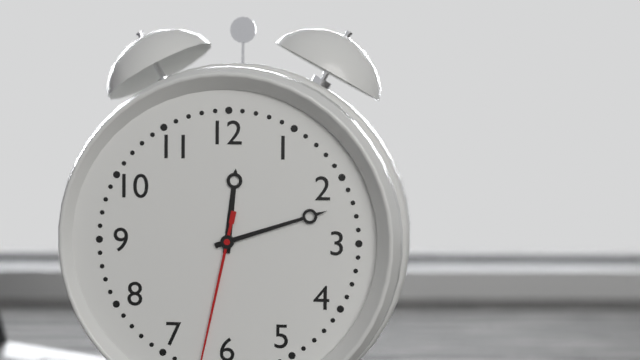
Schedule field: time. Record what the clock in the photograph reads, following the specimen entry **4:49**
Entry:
**12:12**
